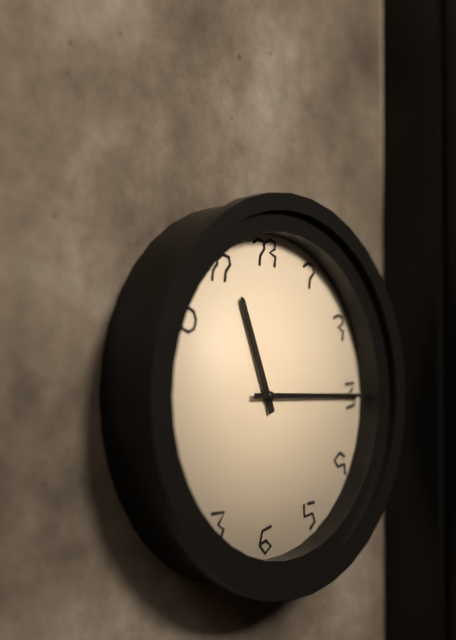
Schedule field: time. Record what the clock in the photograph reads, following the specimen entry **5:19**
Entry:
**11:15**
